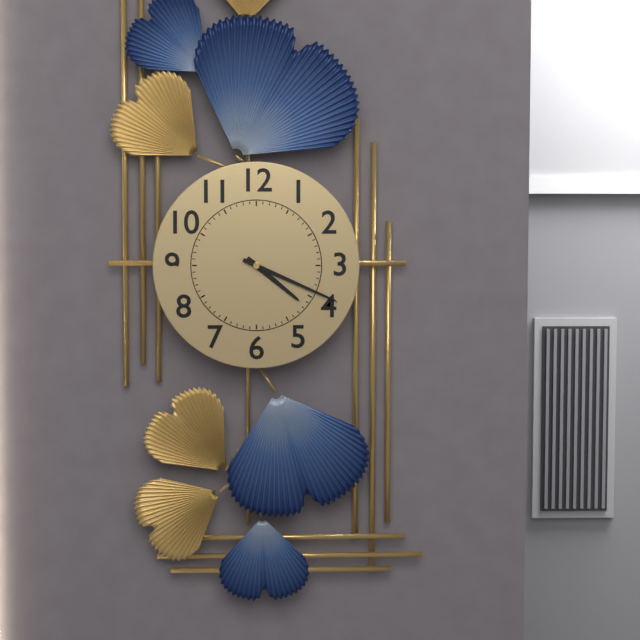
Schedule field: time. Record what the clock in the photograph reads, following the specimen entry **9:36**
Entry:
**4:19**
